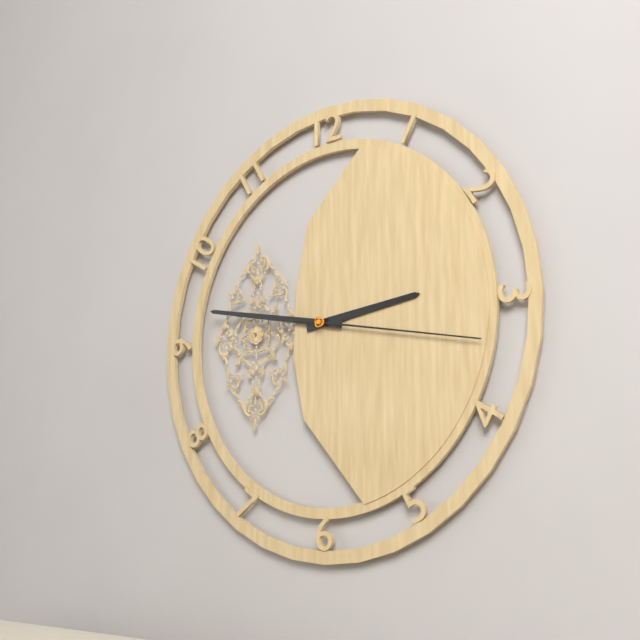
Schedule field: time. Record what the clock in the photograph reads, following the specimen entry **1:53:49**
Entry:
**2:47:17**
